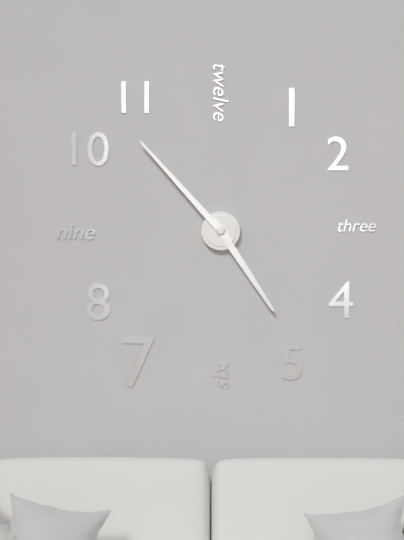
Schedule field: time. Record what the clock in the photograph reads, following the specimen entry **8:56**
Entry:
**4:53**
